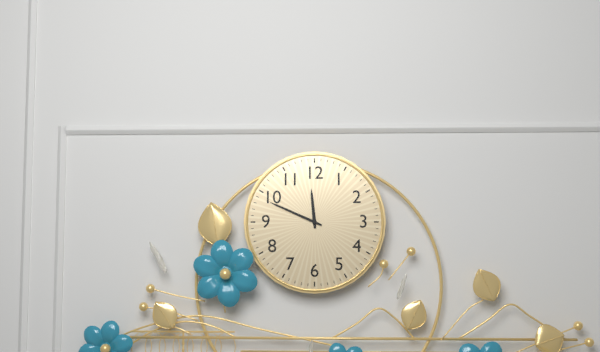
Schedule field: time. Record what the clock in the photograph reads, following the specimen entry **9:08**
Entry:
**11:49**
